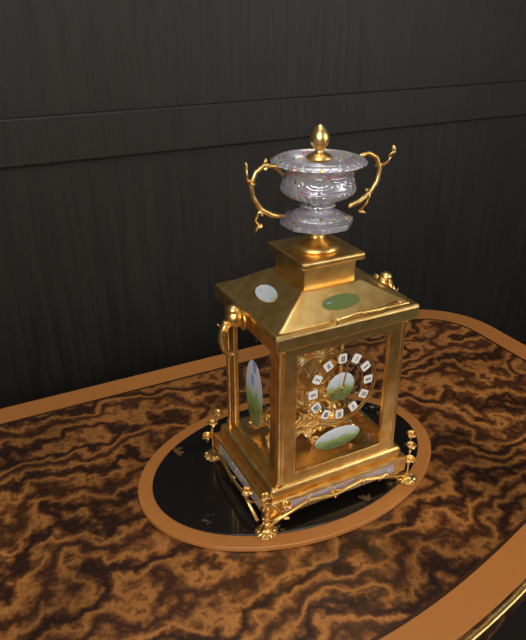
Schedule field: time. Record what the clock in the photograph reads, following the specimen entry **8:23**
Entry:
**8:02**
